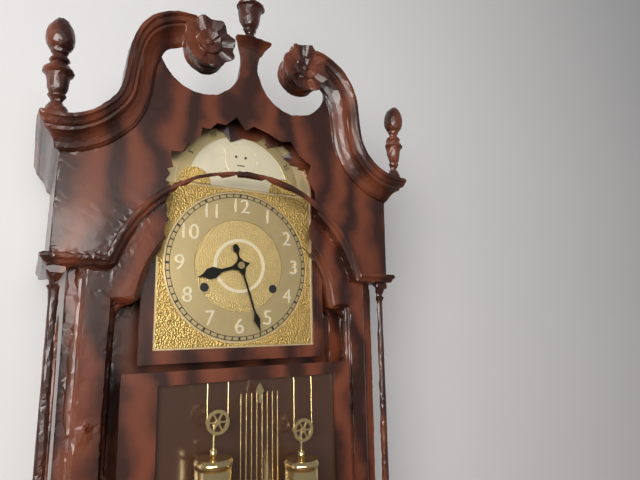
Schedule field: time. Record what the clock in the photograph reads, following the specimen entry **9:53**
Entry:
**8:27**
